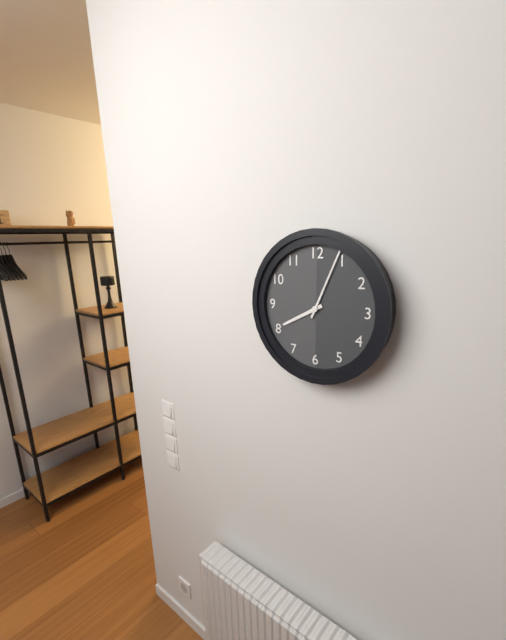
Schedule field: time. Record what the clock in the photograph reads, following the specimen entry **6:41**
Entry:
**8:04**
